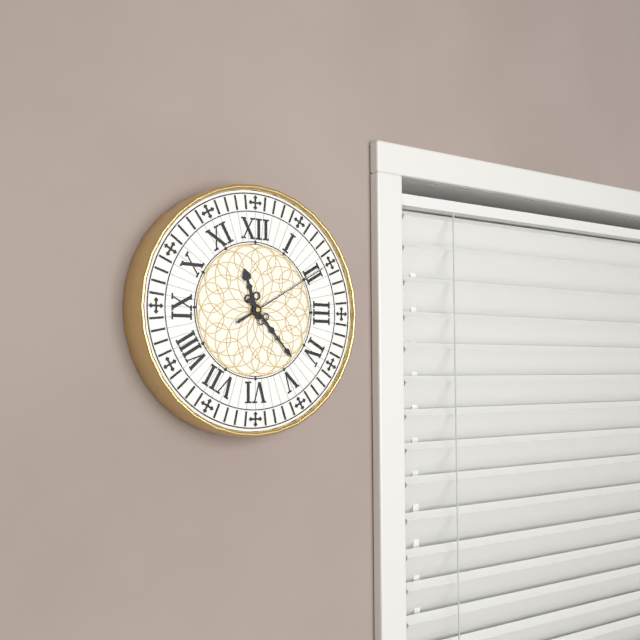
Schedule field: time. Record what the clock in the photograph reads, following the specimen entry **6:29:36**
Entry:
**11:23:10**
